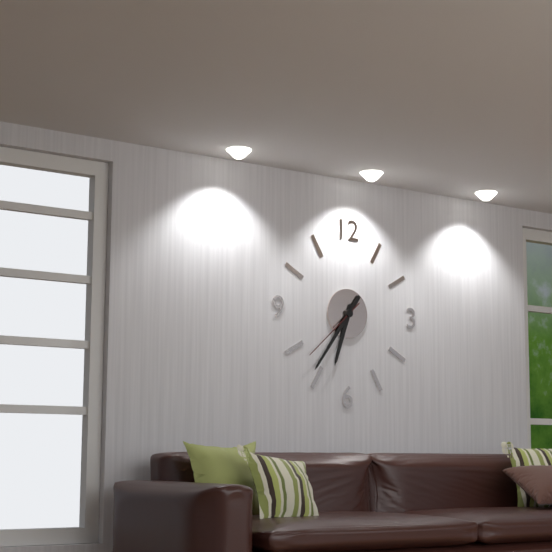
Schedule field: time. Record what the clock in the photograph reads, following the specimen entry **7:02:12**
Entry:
**6:36:38**
